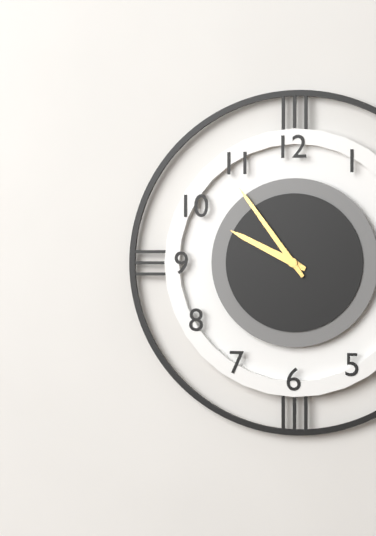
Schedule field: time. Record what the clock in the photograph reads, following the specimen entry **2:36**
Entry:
**9:54**
